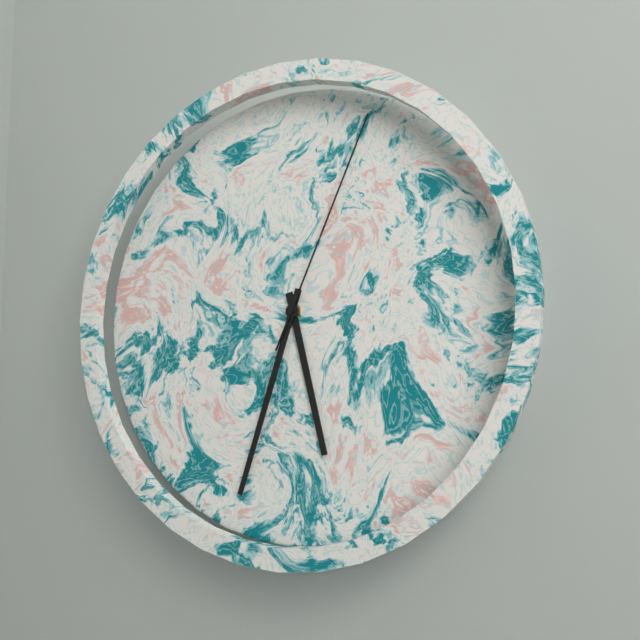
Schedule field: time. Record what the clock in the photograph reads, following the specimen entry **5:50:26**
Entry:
**5:33:04**
